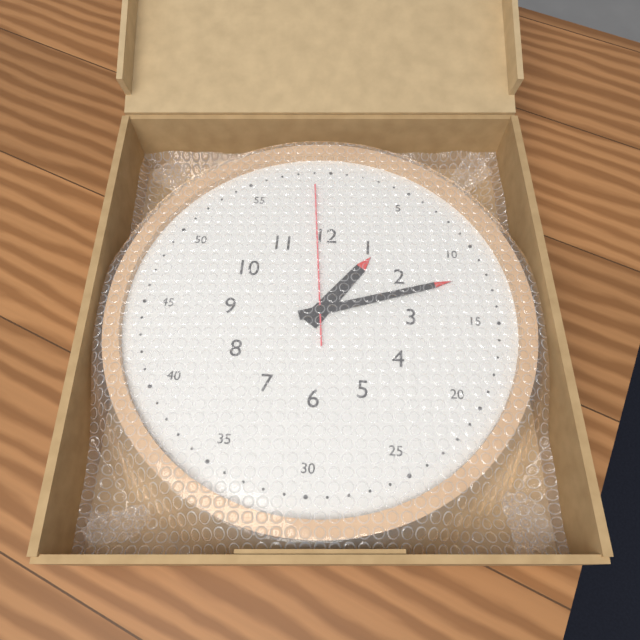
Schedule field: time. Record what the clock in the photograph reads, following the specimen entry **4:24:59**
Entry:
**1:12:59**
